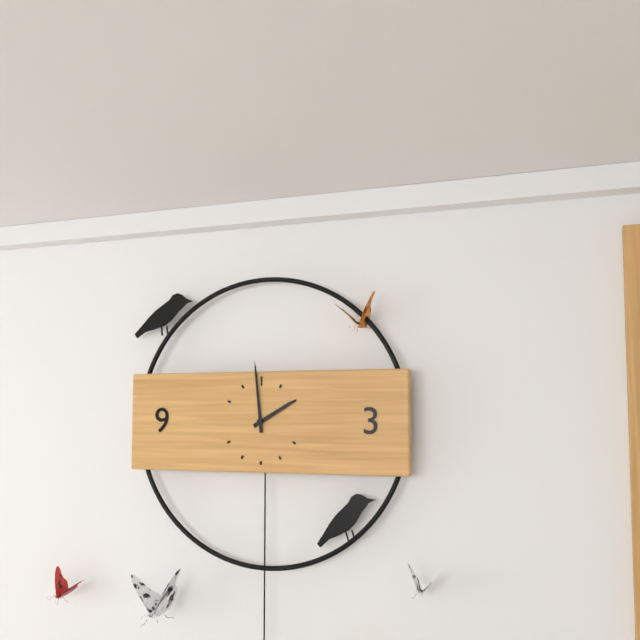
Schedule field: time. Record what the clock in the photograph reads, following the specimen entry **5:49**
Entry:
**1:59**
